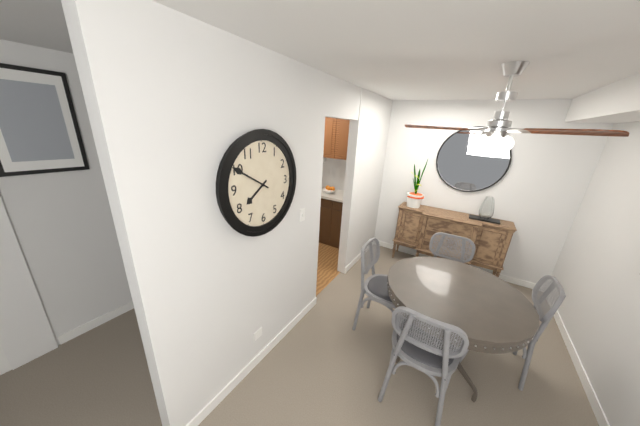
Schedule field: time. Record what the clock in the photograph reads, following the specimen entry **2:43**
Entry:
**7:50**
